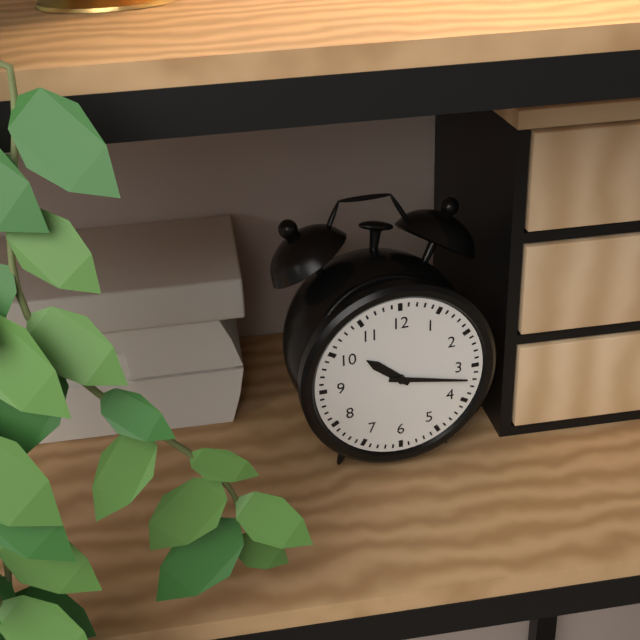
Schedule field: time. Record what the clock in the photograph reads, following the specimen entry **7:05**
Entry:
**10:17**
